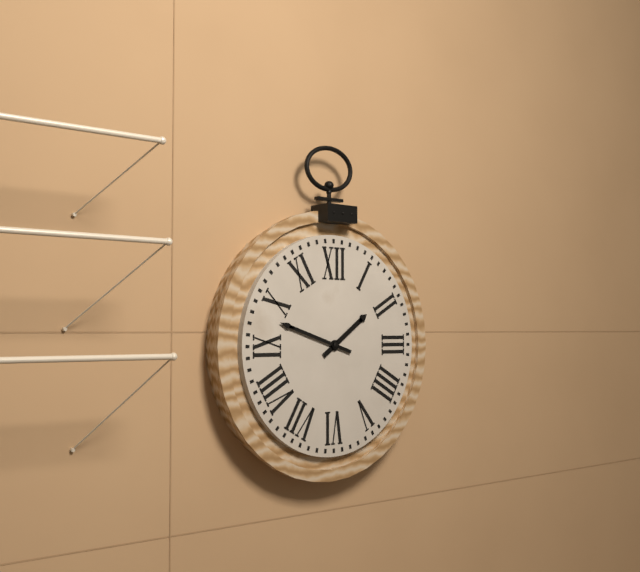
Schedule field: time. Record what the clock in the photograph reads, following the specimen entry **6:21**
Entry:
**1:48**
